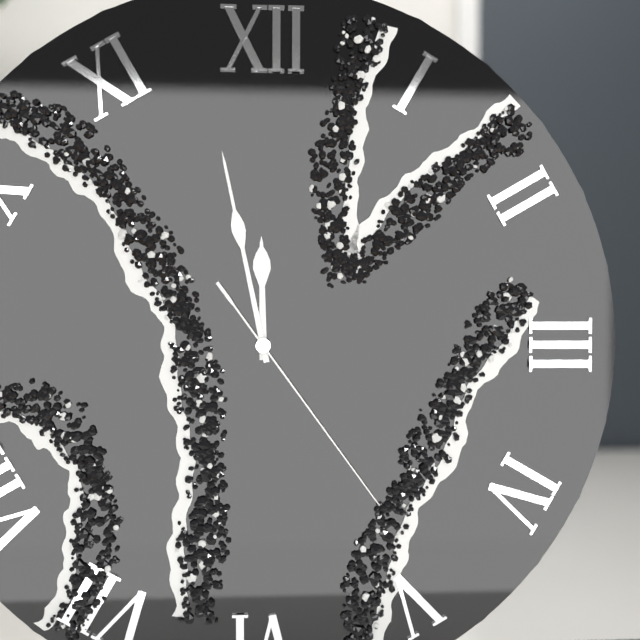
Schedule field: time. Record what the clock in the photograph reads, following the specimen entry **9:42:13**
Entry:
**11:58:24**
